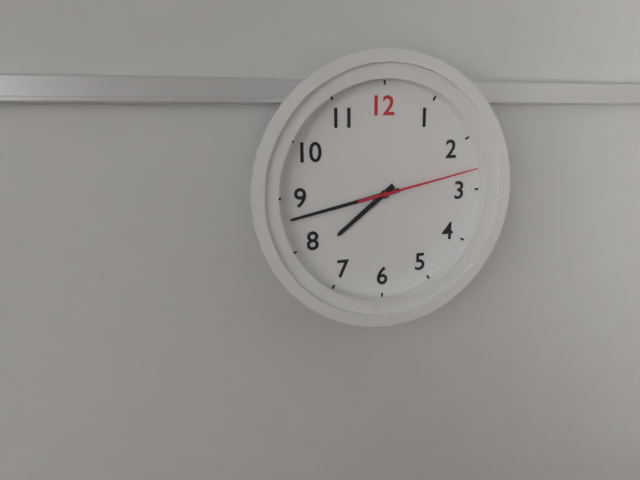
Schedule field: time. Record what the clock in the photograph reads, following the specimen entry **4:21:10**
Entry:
**7:43:13**
